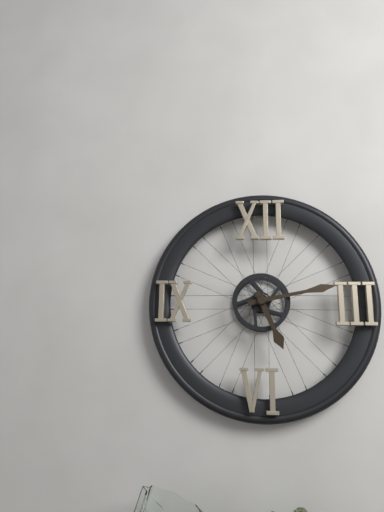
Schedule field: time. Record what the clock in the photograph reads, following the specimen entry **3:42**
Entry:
**5:13**
